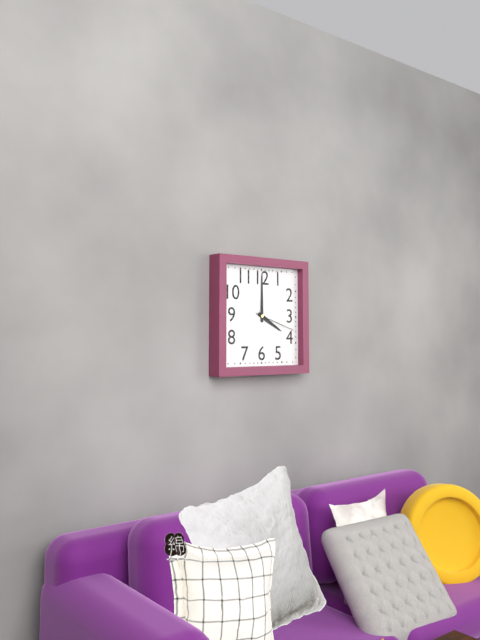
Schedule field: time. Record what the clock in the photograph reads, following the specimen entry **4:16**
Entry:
**4:00**
